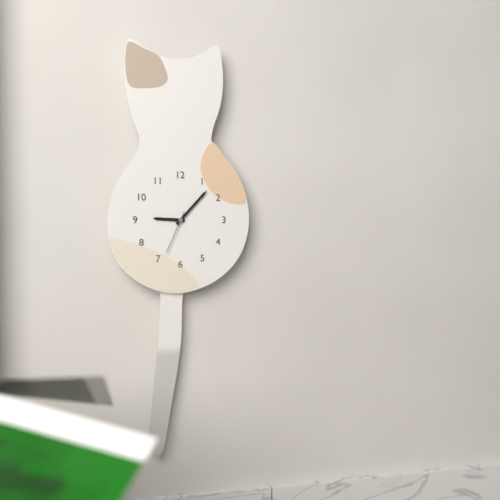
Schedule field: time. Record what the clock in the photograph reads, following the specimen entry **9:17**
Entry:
**9:07**
